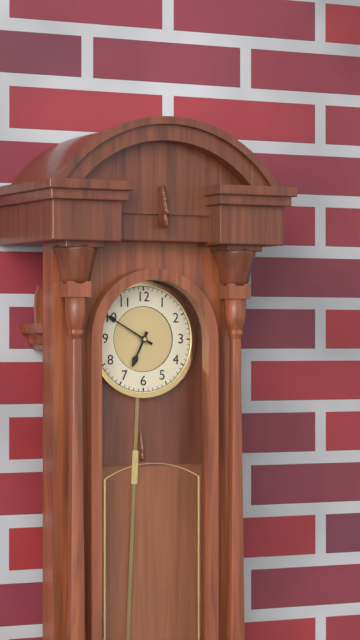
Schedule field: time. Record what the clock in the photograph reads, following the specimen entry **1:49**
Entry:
**6:50**
